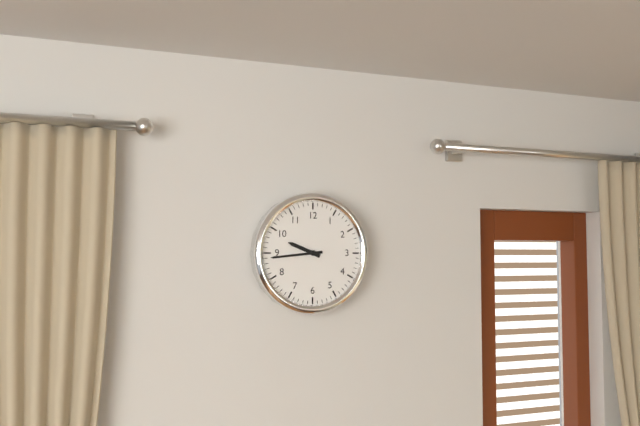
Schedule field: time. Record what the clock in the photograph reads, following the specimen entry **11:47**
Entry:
**9:44**
